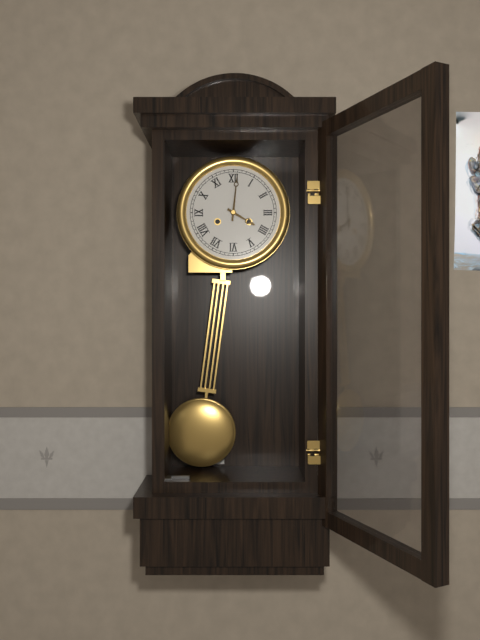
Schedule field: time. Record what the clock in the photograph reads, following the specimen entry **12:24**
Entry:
**4:01**
